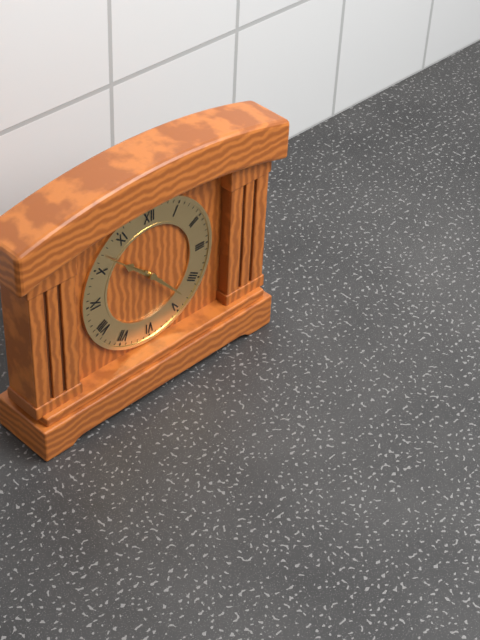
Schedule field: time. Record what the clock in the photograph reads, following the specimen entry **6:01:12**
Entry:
**10:23:52**
